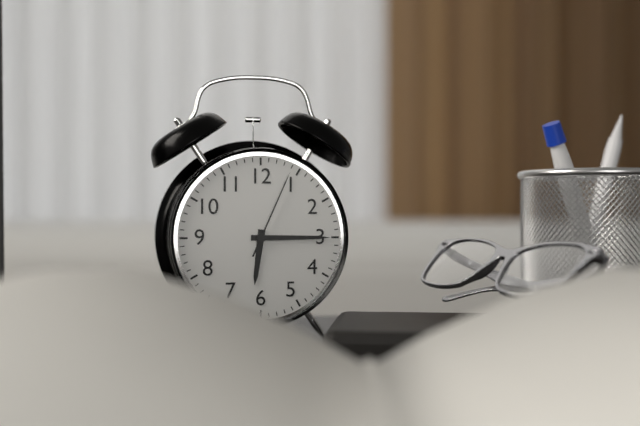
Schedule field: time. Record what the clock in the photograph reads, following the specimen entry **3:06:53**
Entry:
**6:15:04**
